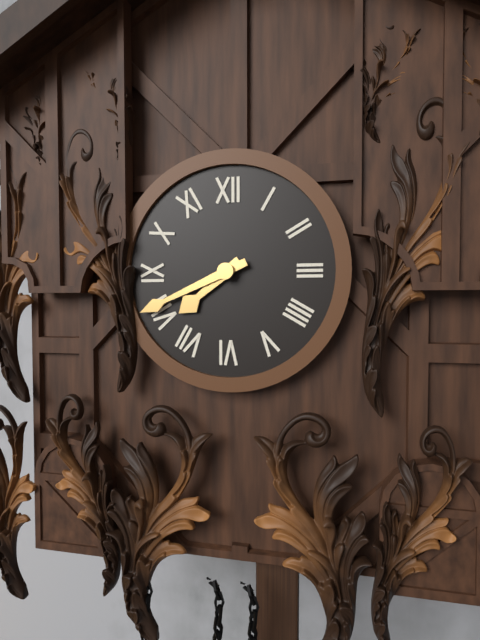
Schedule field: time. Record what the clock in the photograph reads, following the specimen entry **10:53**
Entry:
**7:41**
